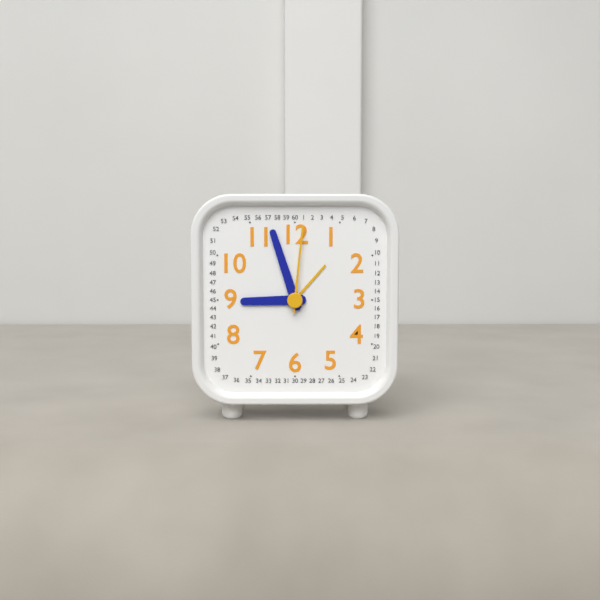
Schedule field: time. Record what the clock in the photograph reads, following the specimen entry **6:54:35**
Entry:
**8:57:01**
